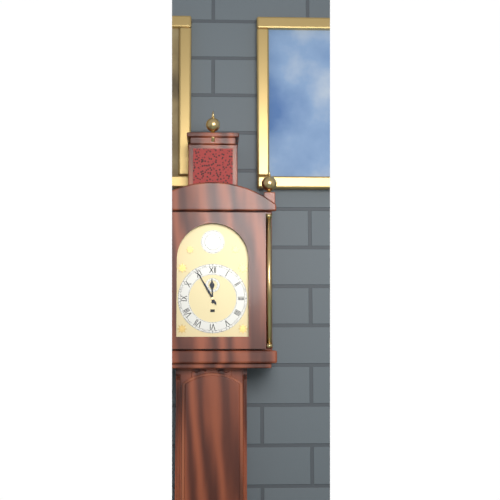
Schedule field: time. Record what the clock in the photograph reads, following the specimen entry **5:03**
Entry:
**11:55**
